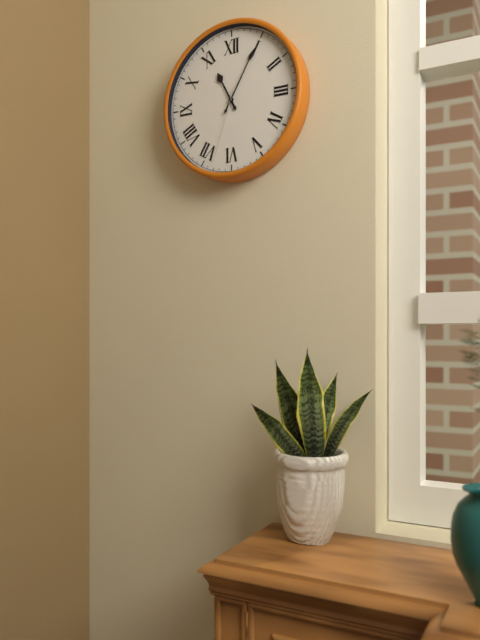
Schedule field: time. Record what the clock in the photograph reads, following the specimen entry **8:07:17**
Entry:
**11:05:33**
